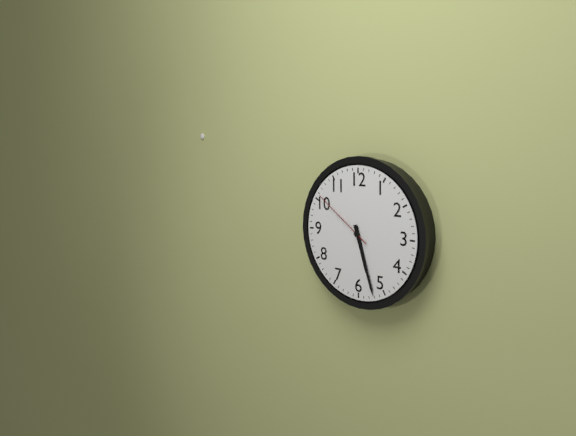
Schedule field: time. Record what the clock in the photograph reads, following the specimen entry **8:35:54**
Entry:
**5:27:51**
